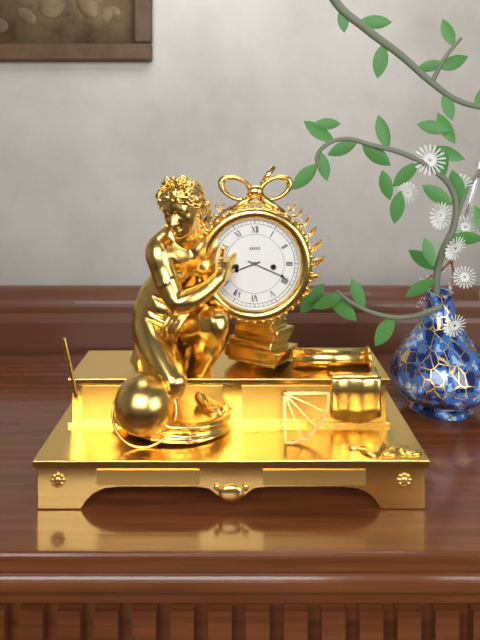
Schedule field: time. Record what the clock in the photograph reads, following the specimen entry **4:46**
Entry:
**8:19**
